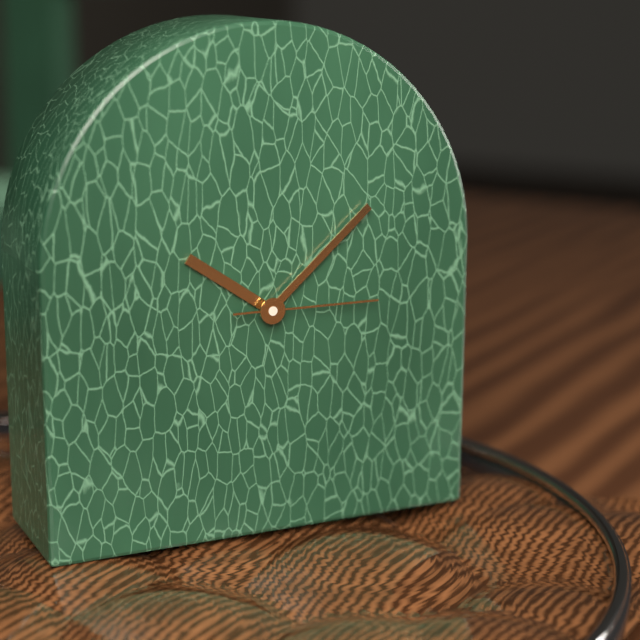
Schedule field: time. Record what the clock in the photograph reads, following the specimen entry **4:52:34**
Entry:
**10:08:15**
